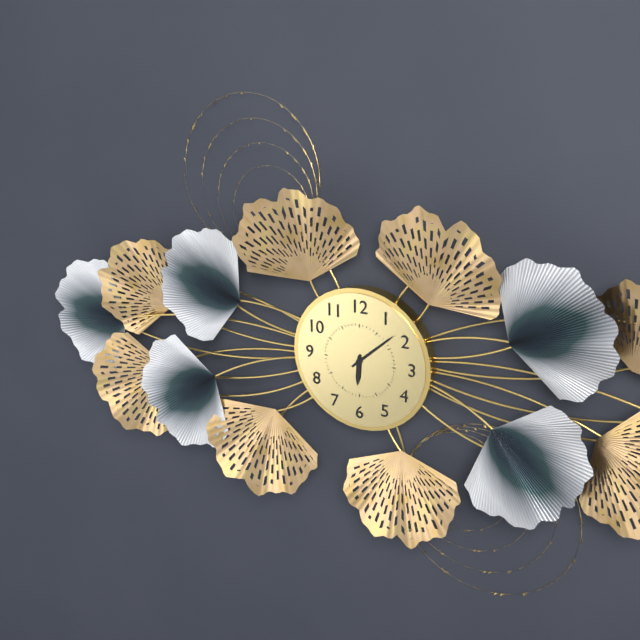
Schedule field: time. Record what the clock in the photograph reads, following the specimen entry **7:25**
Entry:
**6:08**
